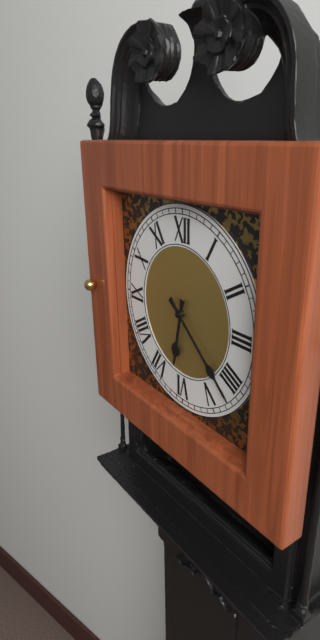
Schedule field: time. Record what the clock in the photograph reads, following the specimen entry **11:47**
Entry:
**6:22**
